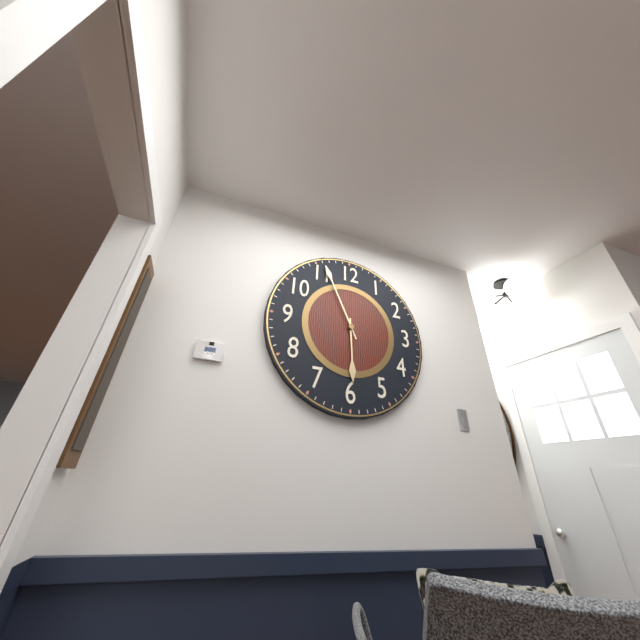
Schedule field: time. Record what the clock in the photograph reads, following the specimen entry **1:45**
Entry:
**5:56**
